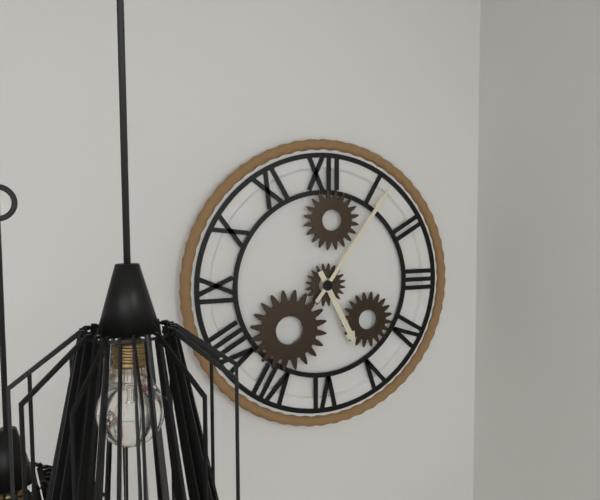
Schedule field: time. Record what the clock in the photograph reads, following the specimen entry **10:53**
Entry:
**5:06**
